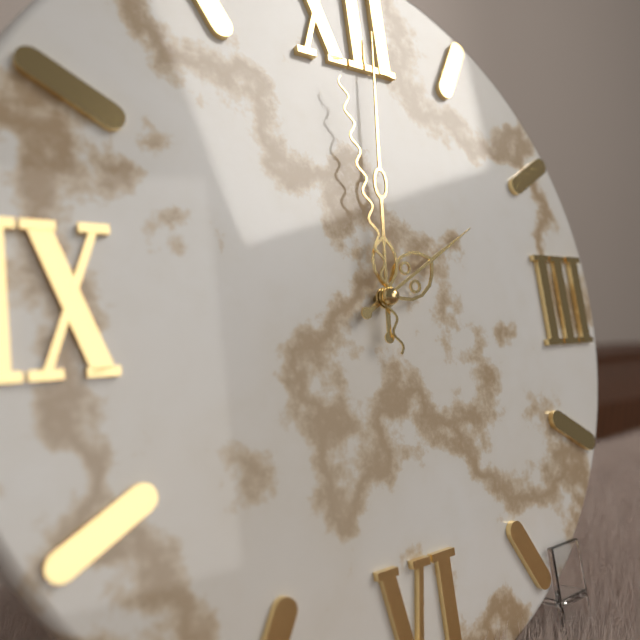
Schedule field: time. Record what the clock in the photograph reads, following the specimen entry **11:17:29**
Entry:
**2:01:59**
